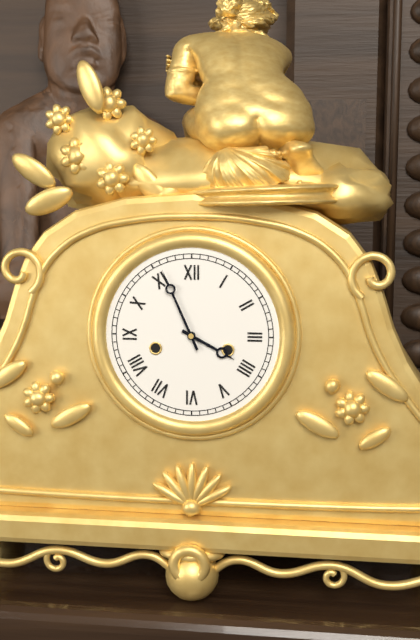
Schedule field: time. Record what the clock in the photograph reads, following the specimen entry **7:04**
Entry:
**3:56**
